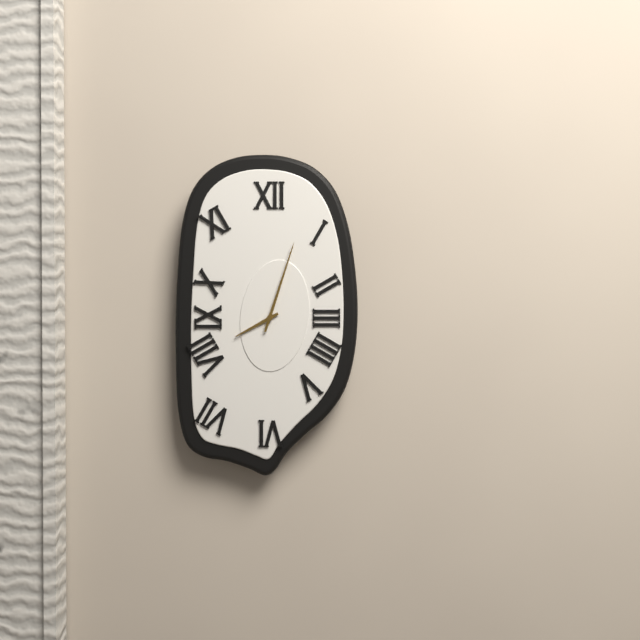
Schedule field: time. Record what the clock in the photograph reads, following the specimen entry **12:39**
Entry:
**8:03**
